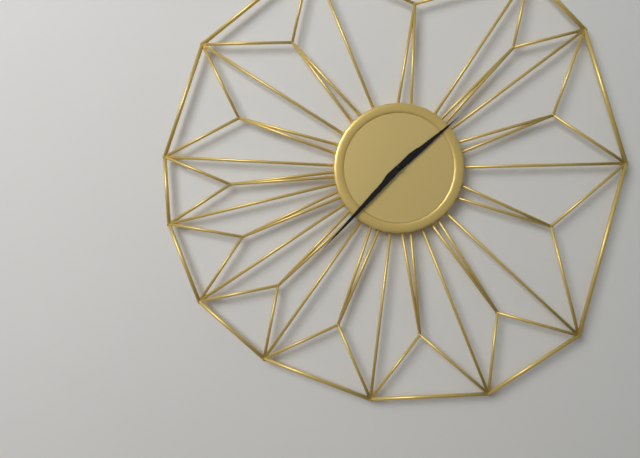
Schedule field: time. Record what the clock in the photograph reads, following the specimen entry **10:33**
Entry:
**1:37**
